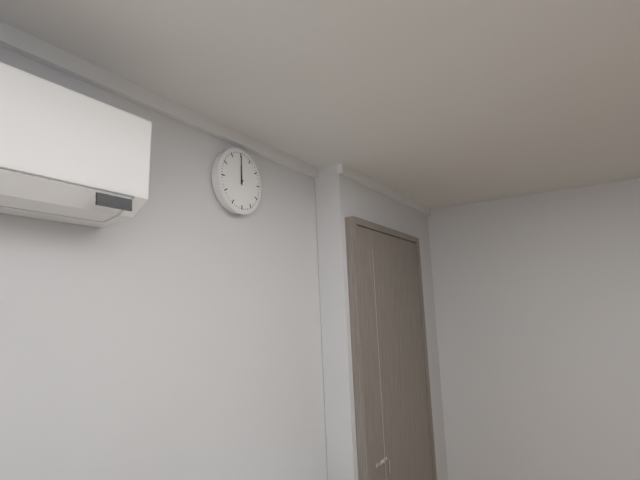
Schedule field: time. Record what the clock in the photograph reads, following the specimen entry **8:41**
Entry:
**12:00**
